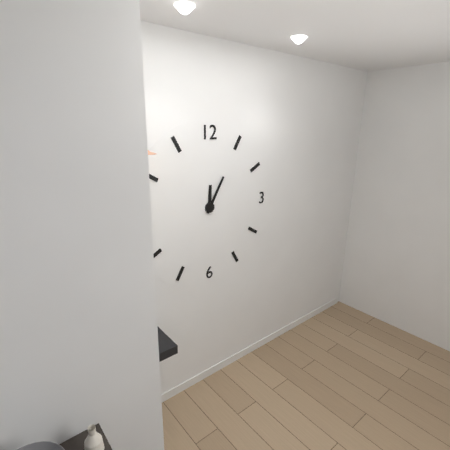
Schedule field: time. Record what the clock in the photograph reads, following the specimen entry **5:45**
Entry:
**12:05**
